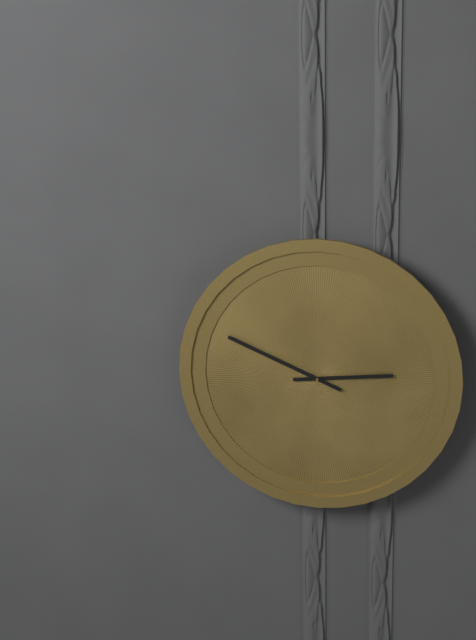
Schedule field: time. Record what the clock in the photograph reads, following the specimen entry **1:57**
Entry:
**2:49**
